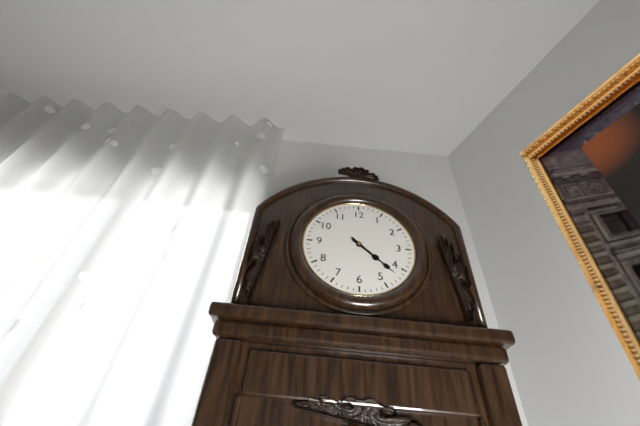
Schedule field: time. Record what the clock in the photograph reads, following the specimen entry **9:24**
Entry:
**4:22**
